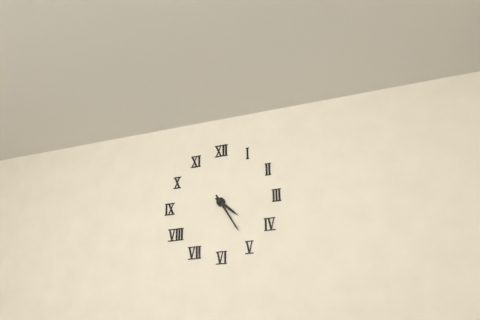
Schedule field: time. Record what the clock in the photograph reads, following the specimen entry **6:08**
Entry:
**4:25**
